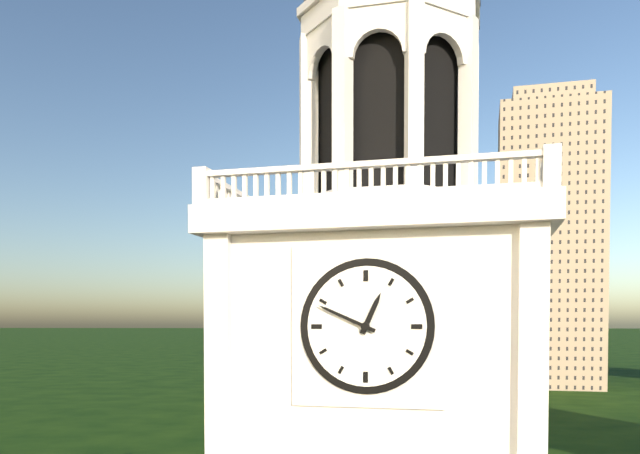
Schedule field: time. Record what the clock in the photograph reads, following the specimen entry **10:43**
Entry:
**12:49**
